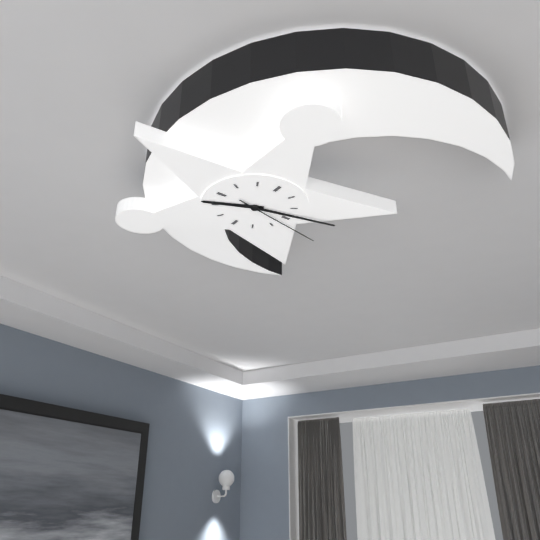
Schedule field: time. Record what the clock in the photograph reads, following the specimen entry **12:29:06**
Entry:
**8:13:17**
